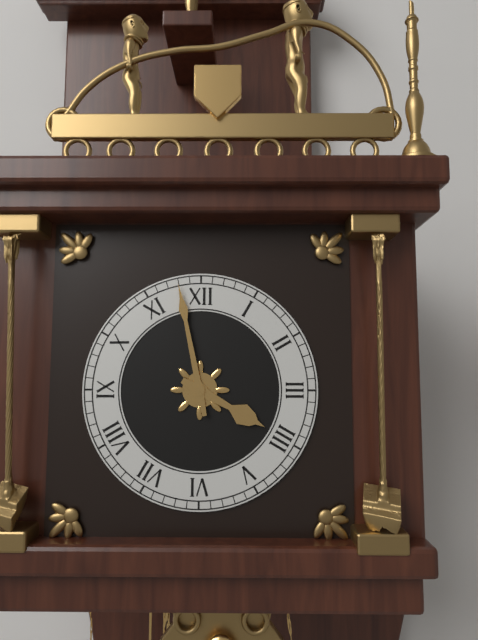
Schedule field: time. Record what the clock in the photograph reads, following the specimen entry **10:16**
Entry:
**3:58**
